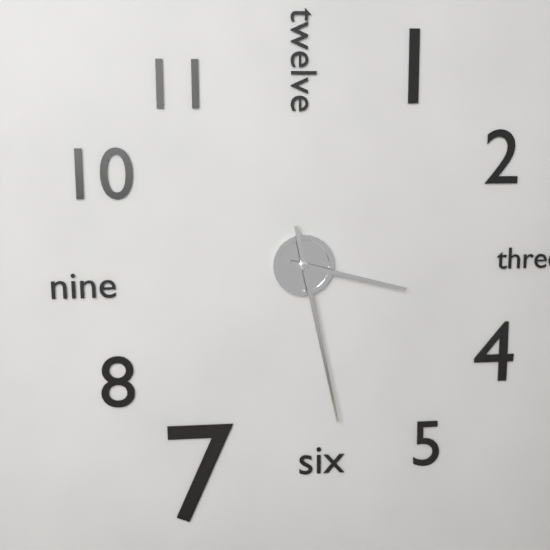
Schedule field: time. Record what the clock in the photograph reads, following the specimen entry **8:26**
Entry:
**3:28**
